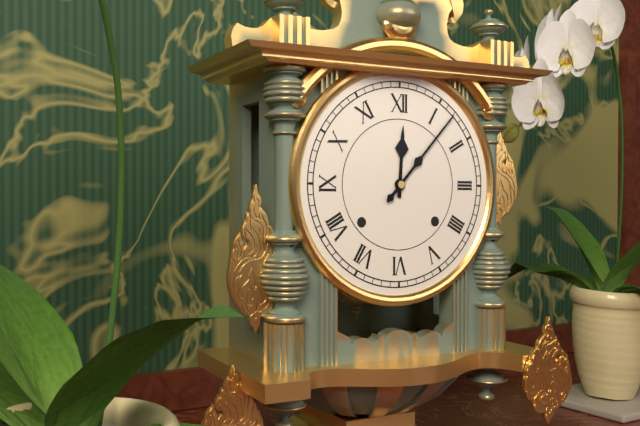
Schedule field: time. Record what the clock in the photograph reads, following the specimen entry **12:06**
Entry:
**12:07**
